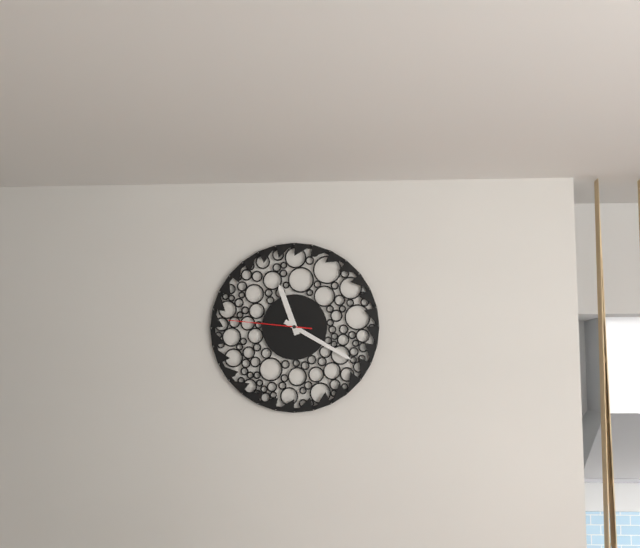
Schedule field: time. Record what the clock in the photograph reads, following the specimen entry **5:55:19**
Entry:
**11:20:46**
